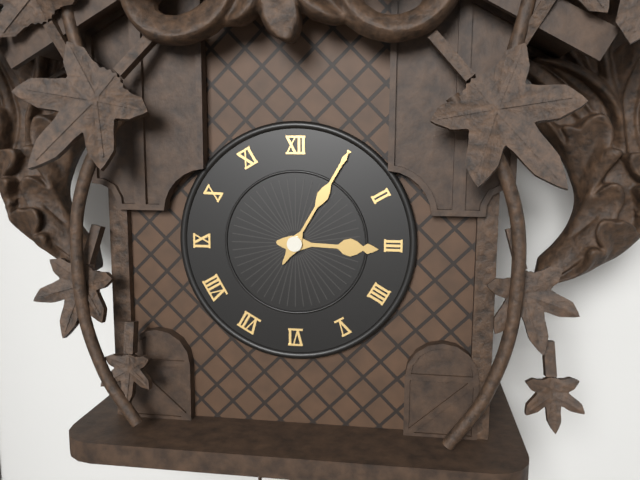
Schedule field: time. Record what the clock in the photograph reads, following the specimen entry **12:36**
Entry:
**3:05**
